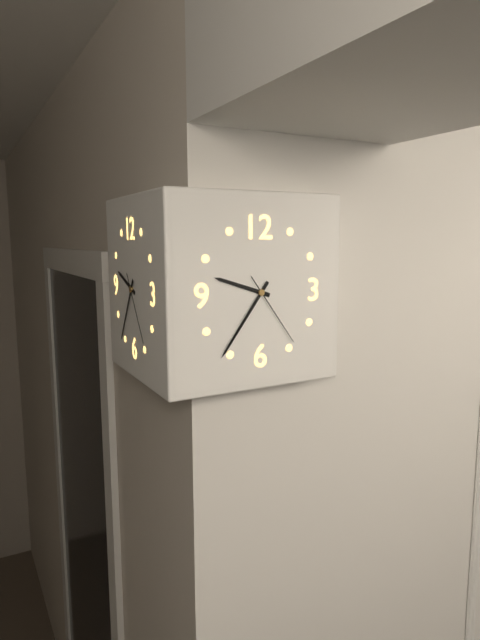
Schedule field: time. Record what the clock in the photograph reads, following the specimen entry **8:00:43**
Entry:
**9:36:24**
